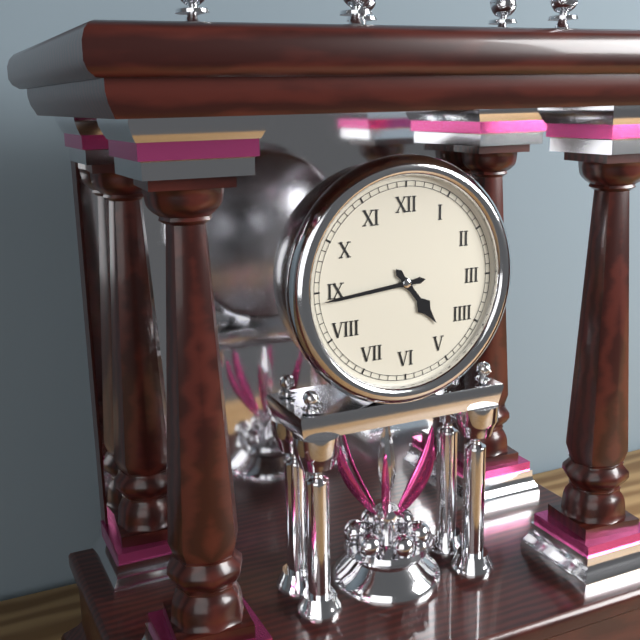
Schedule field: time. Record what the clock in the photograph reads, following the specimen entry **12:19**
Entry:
**4:44**
